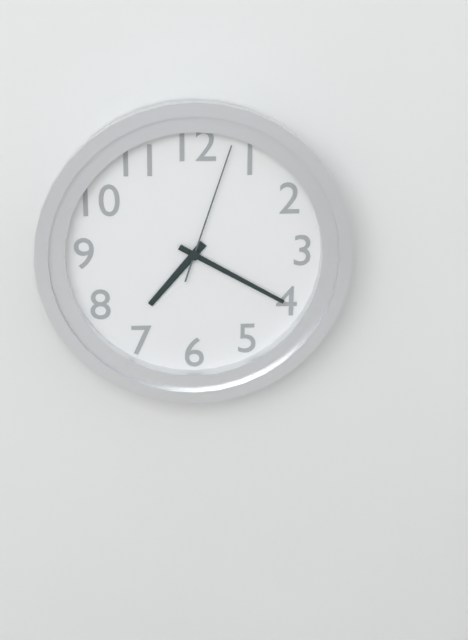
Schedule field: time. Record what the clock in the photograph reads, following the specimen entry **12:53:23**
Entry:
**7:20:03**
